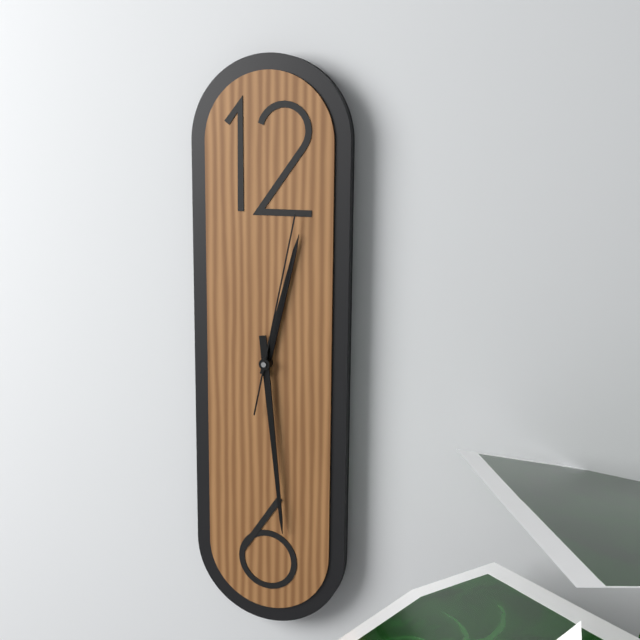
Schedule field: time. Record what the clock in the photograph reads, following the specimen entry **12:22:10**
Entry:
**12:29:02**
